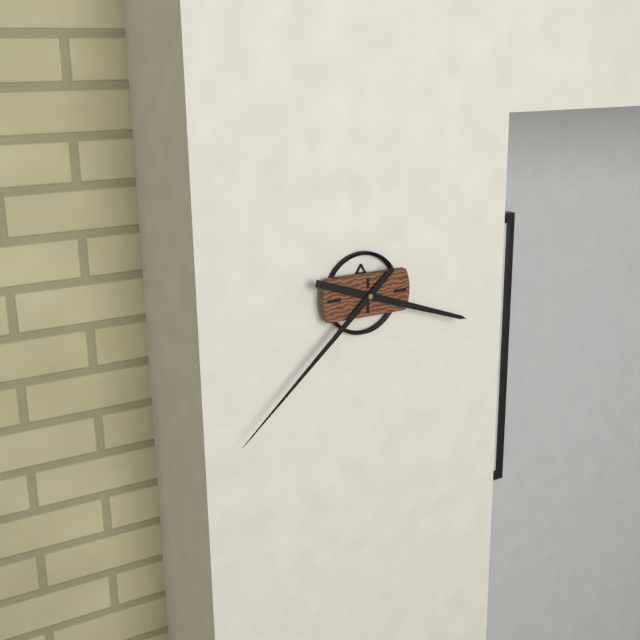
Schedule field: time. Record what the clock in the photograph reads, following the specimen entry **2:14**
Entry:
**3:38**
